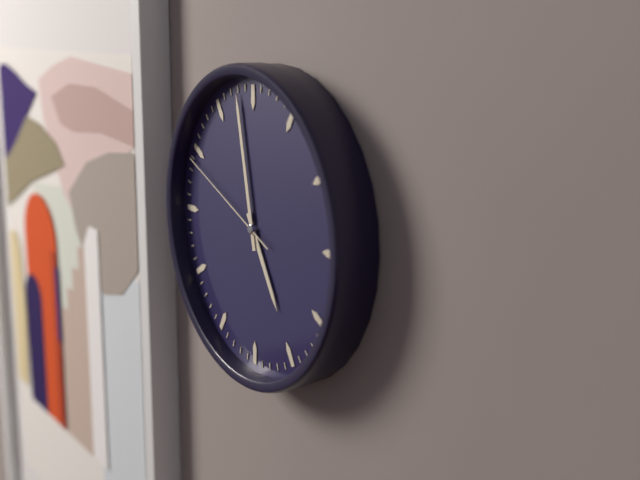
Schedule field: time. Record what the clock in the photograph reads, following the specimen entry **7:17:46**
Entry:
**4:58:49**
